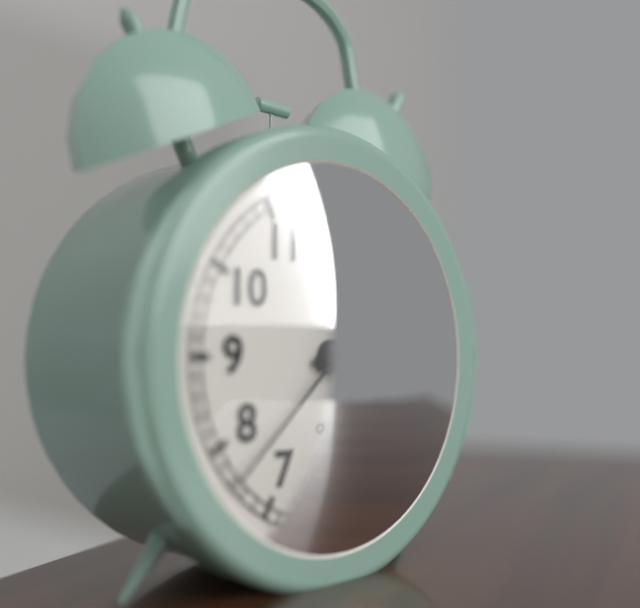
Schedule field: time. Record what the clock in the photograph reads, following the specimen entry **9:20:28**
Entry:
**2:13:38**
